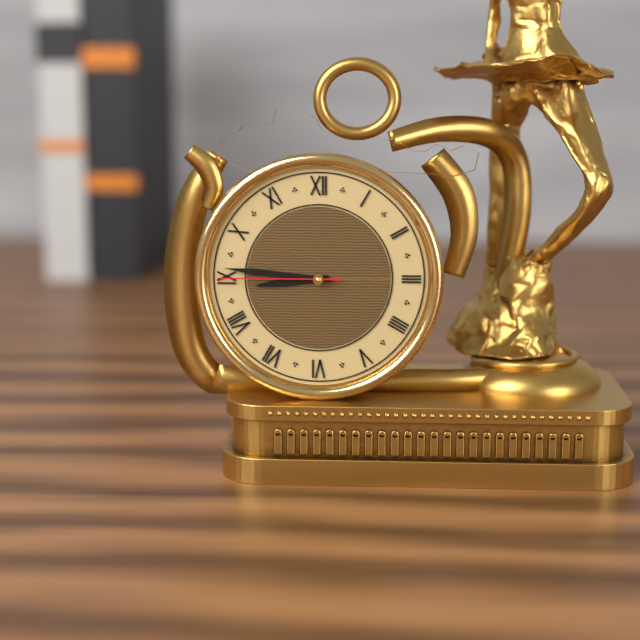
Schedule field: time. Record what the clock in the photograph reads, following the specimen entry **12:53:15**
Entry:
**8:46:45**
